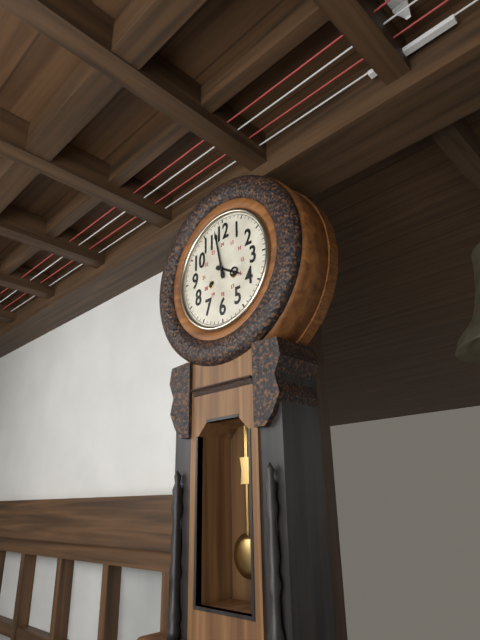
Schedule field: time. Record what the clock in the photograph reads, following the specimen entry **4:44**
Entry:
**3:58**
